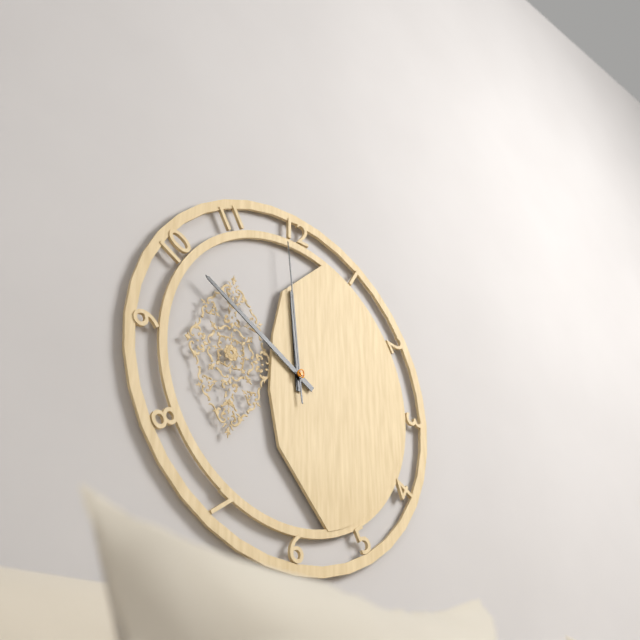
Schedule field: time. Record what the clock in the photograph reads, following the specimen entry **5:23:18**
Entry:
**11:50:59**
